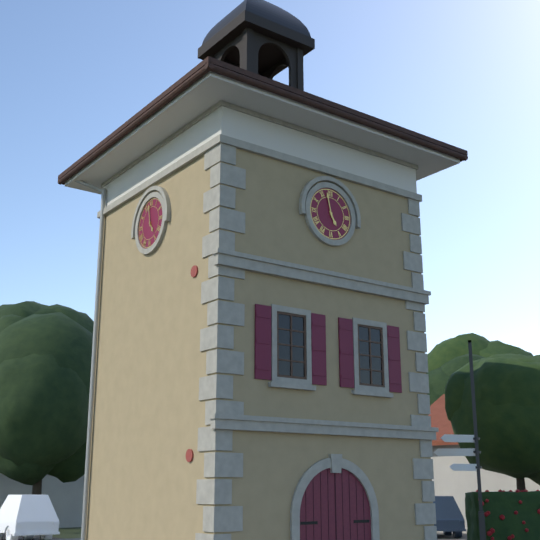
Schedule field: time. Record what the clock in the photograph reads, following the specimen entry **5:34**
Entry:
**4:58**
